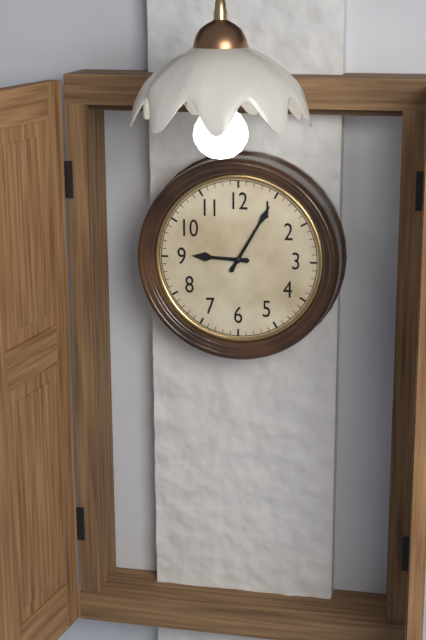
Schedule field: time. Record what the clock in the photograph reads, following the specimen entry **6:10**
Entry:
**9:05**
